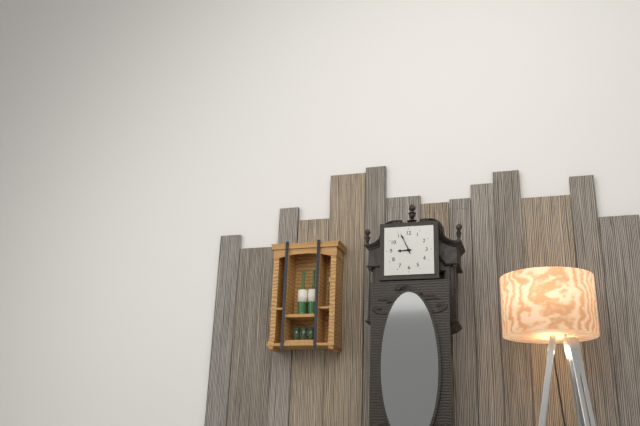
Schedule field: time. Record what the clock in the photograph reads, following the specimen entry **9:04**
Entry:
**8:56**
